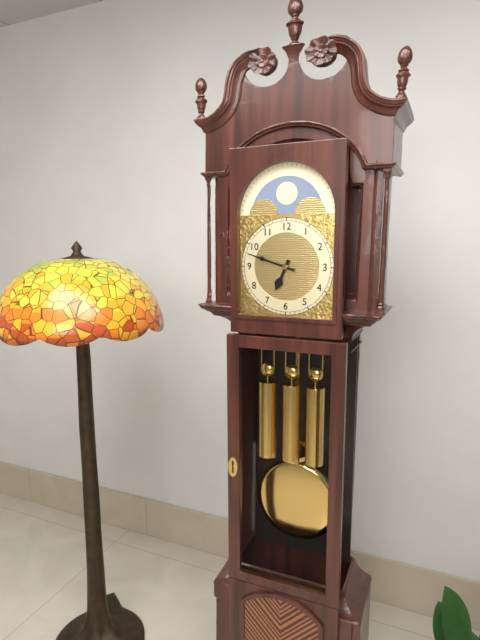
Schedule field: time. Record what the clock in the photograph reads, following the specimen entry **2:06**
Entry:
**6:48**
